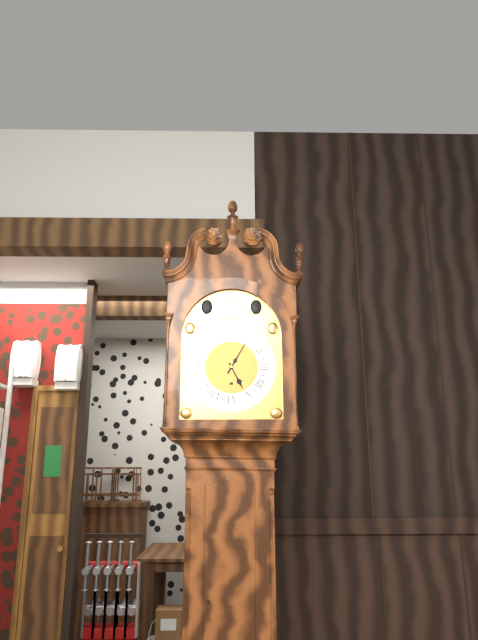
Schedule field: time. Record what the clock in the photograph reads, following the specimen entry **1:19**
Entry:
**5:05**
